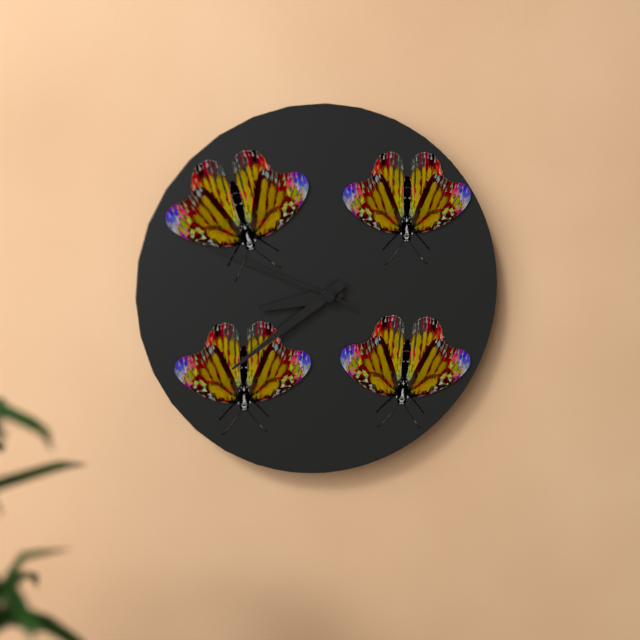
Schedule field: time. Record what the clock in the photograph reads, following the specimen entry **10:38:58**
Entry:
**8:39:49**
